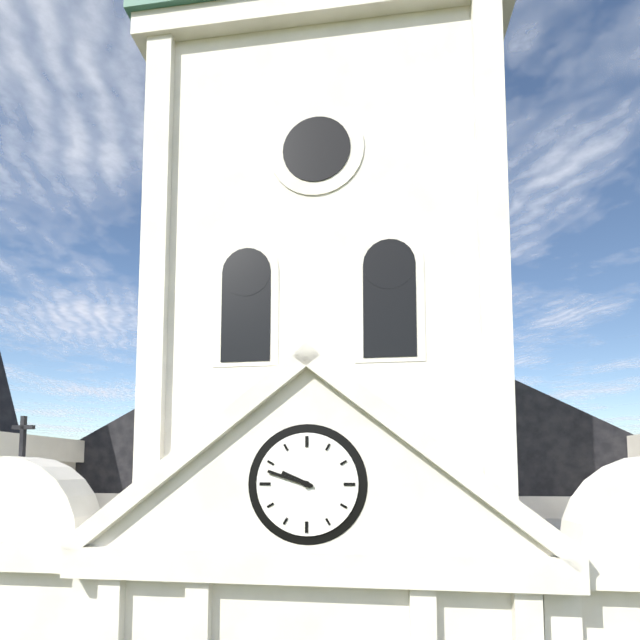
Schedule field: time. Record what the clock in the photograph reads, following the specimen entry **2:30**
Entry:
**9:48**
